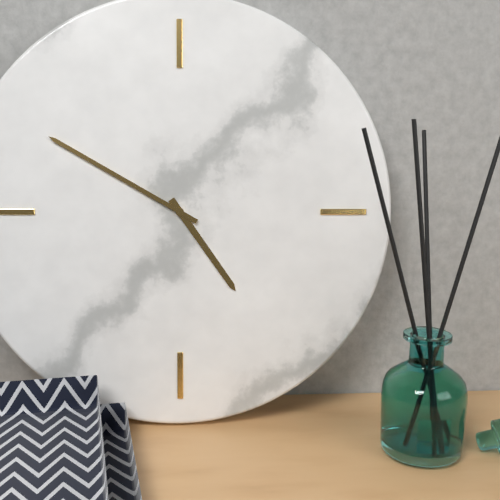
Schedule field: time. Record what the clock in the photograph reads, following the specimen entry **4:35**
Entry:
**4:50**
